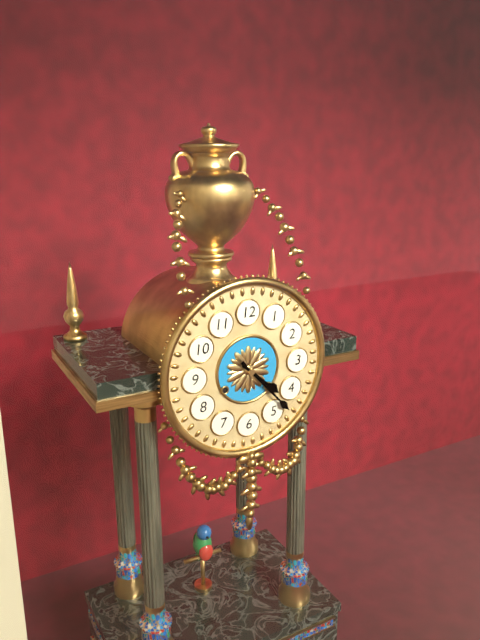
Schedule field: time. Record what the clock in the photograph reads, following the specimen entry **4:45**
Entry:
**4:23**
